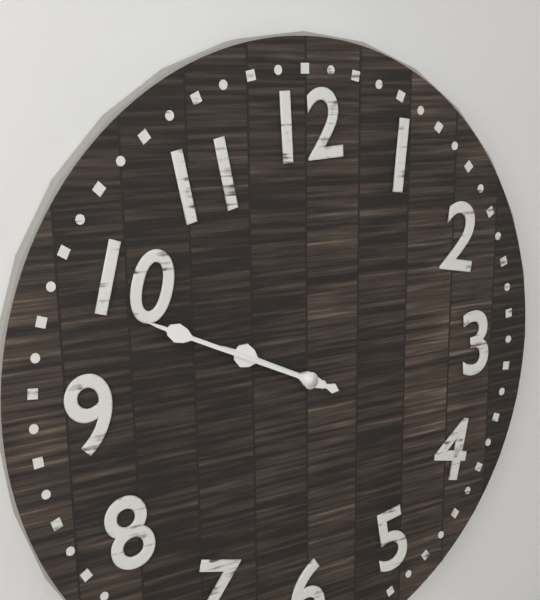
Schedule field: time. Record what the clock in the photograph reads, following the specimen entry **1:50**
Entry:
**9:49**
